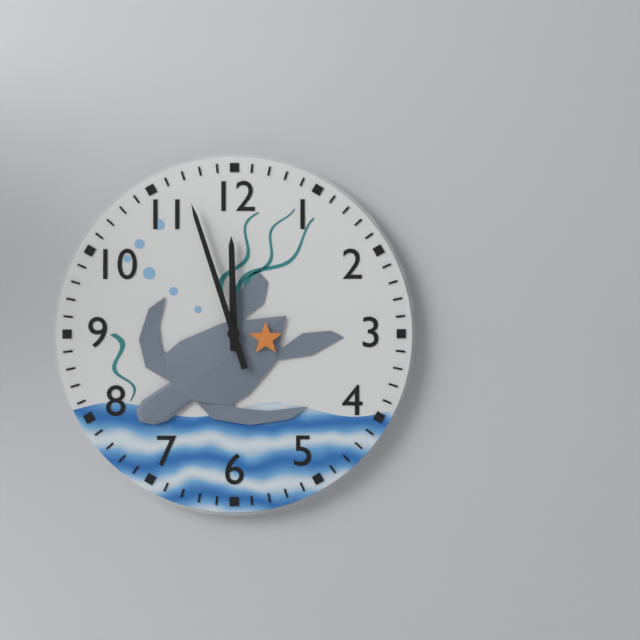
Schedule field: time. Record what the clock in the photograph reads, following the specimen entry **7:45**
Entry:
**11:57**
